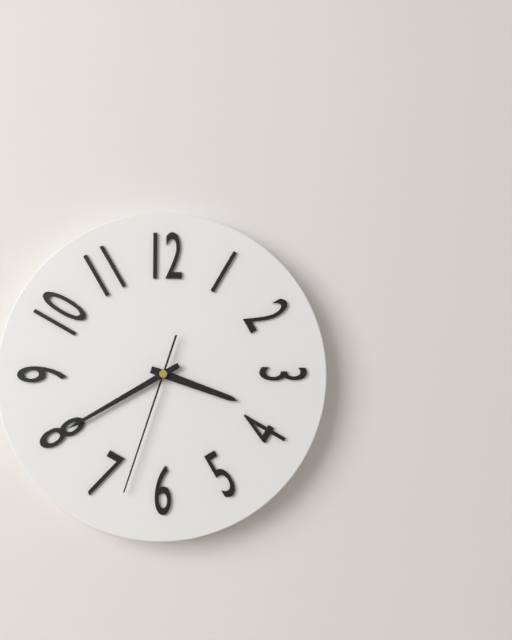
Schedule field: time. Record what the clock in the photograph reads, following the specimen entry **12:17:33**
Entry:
**3:40:33**
